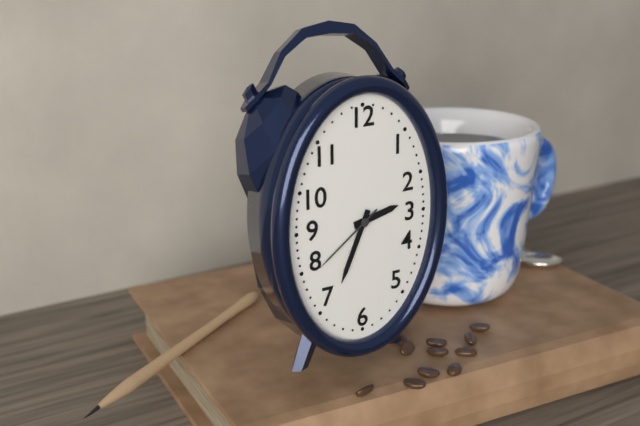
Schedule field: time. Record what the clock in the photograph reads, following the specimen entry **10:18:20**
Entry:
**2:34:39**
